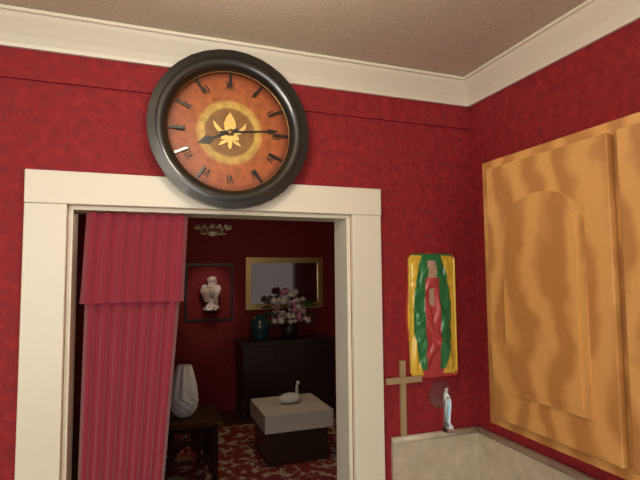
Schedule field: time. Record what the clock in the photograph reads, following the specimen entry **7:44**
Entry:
**8:14**
